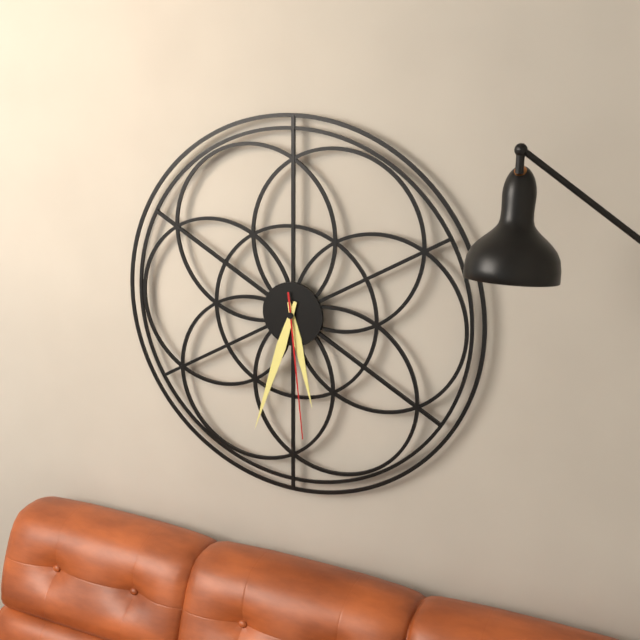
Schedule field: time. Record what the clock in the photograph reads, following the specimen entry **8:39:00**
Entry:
**5:33:29**
